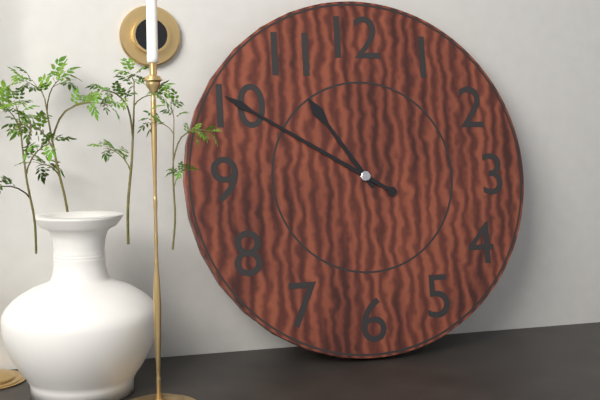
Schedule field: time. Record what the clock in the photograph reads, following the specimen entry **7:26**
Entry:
**10:50**
